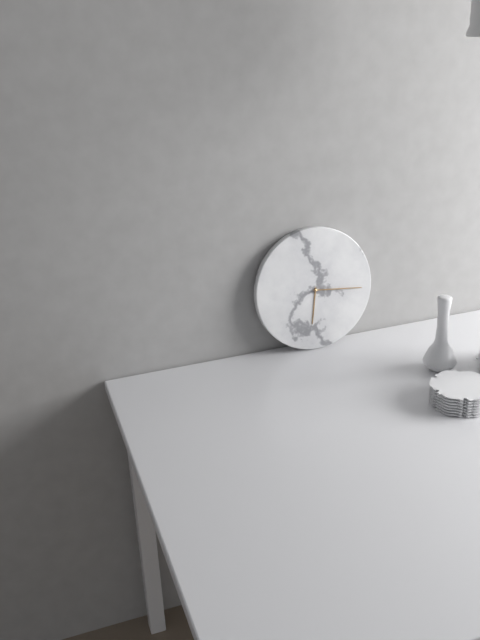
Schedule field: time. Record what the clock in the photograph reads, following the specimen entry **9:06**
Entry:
**6:16**
